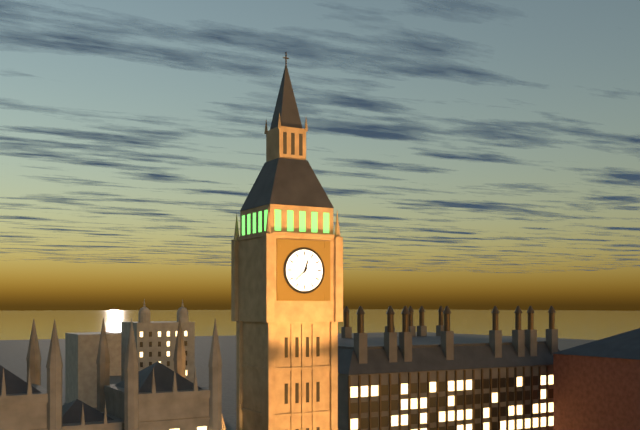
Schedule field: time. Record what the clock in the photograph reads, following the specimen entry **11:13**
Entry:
**12:38**
